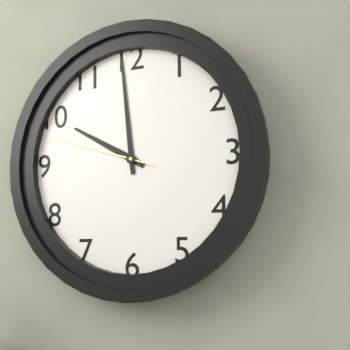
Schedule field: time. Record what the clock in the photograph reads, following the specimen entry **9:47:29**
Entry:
**9:59:48**
